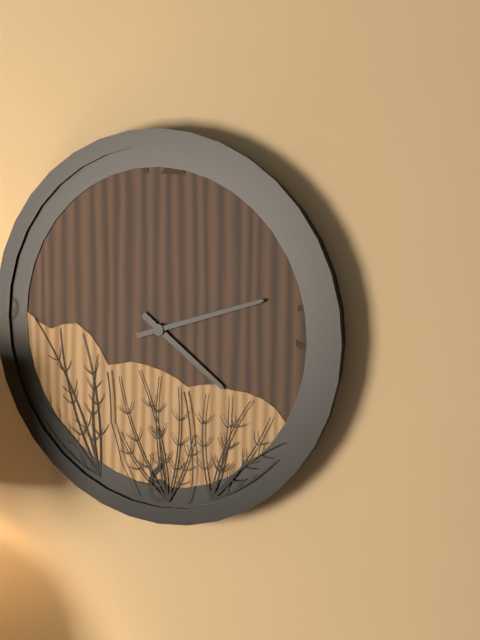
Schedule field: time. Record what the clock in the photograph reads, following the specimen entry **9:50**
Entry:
**4:12**
